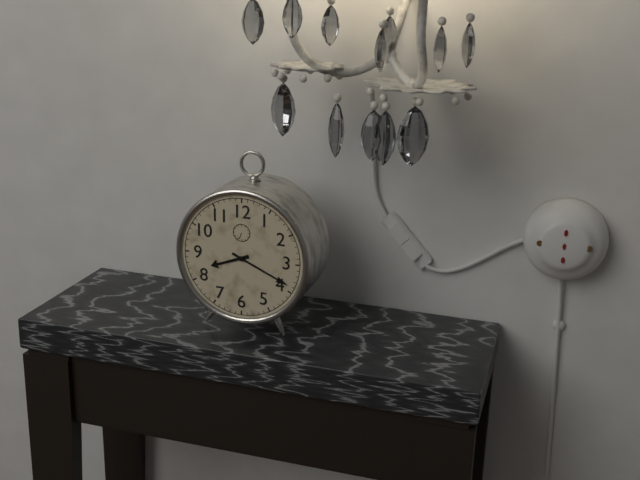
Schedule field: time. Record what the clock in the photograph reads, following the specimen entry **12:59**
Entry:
**8:19**
